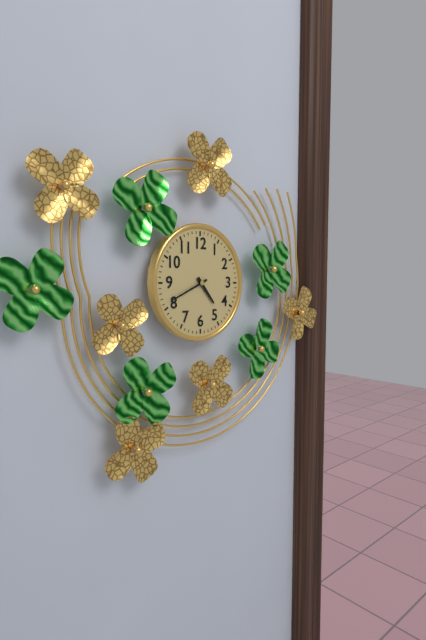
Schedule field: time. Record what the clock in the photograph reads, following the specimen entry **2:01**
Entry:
**4:41**
